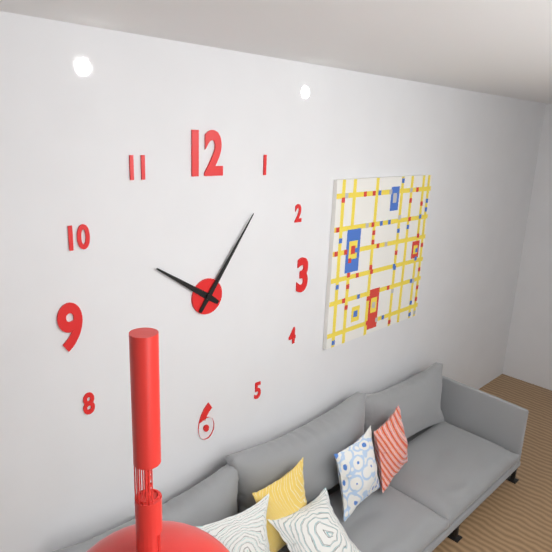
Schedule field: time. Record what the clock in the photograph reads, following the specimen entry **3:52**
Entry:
**10:06**
